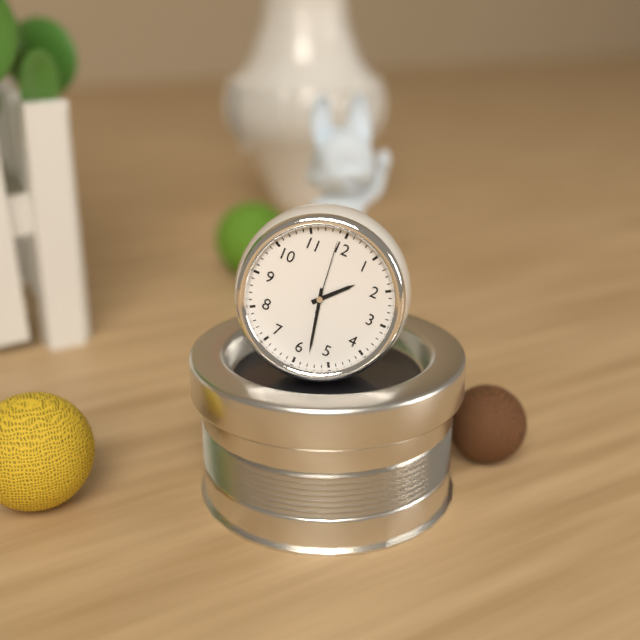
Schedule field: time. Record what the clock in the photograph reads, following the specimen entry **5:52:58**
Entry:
**1:28:59**
